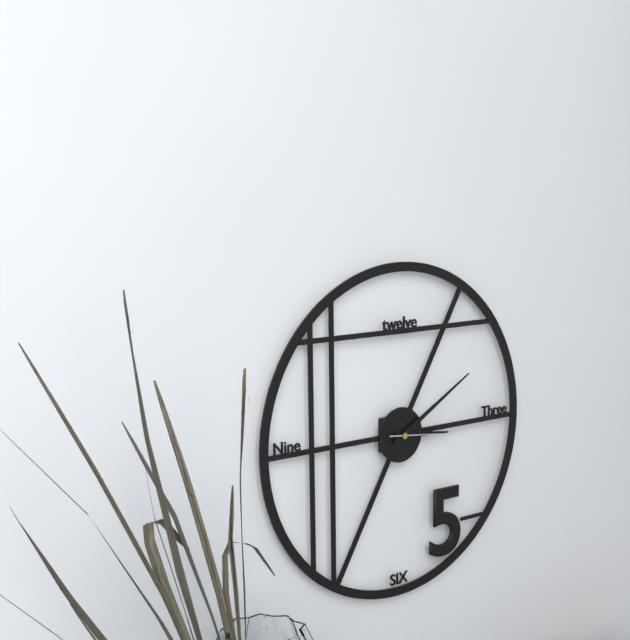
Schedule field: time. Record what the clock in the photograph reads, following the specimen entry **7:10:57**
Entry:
**3:10:16**
